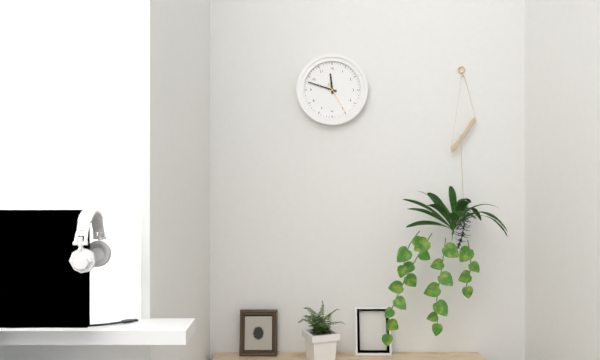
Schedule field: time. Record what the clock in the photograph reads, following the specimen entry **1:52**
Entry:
**11:48**
